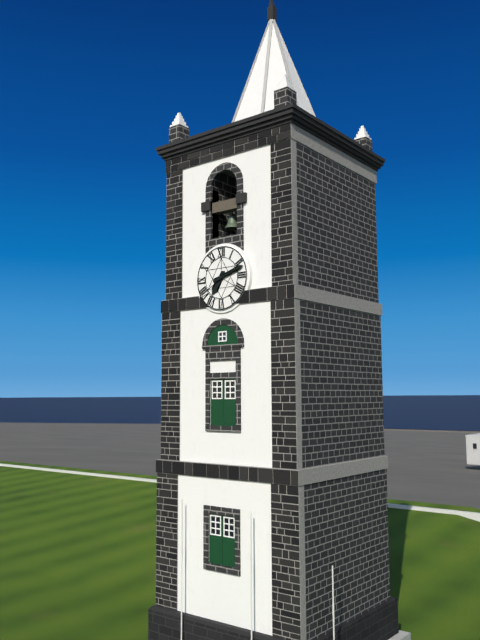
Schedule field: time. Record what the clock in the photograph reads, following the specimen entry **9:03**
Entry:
**7:12**
